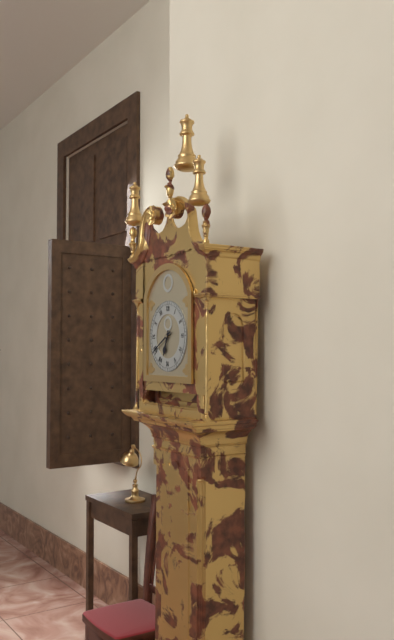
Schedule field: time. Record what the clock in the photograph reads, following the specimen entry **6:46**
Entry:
**6:40**
